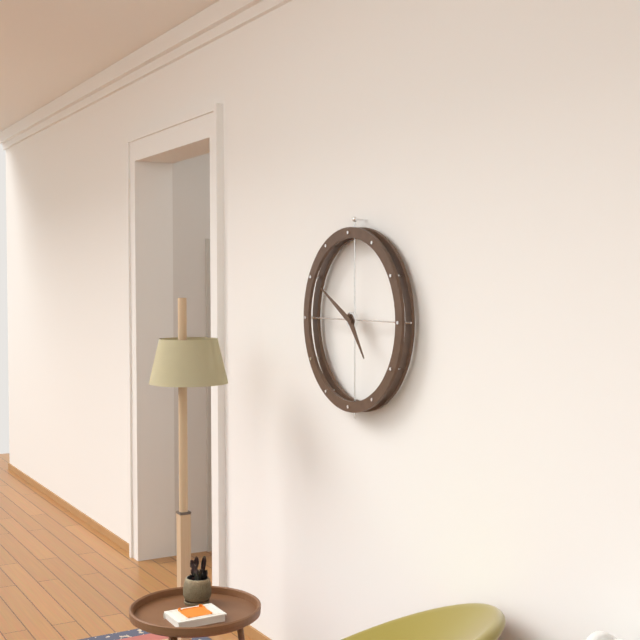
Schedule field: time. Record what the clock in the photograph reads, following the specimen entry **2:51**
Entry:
**4:50**
